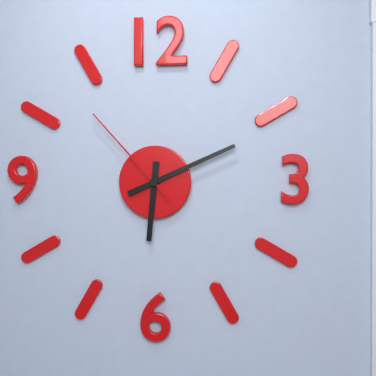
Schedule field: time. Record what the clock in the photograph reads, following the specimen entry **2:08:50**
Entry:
**6:11:53**
